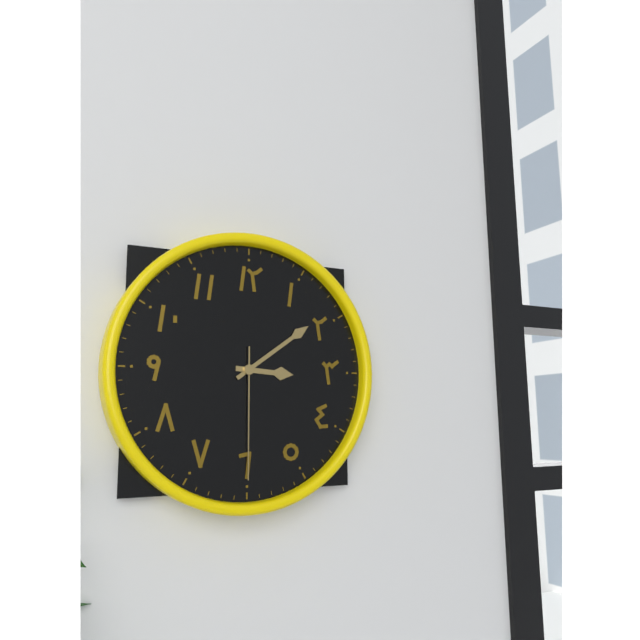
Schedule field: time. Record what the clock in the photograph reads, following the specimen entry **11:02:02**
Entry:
**3:09:30**
